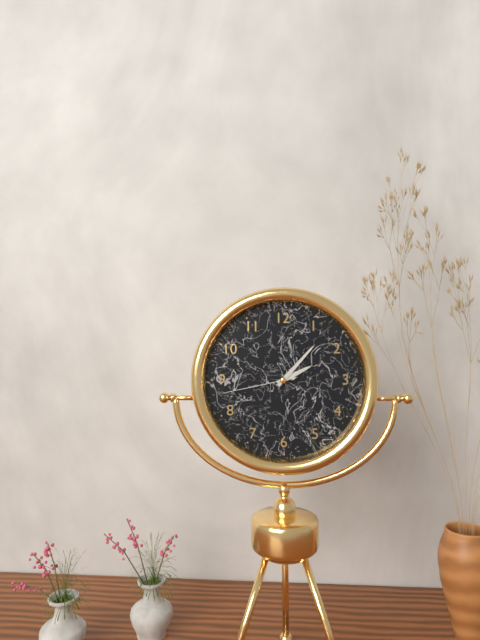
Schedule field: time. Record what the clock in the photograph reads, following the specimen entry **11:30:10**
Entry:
**2:07:43**
